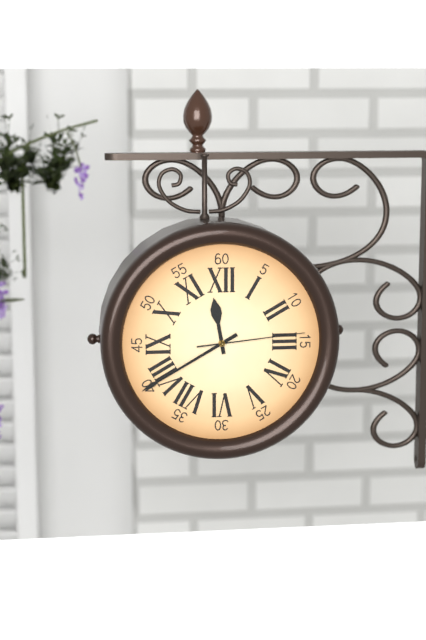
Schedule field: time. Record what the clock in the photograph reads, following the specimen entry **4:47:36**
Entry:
**11:40:14**
